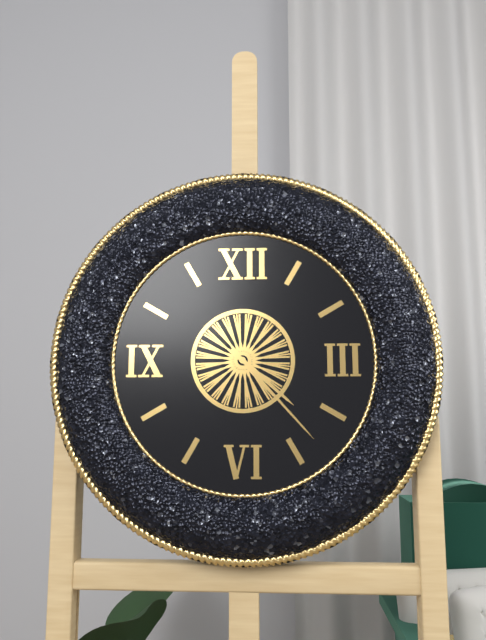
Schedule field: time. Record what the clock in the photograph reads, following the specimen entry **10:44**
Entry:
**4:23**
